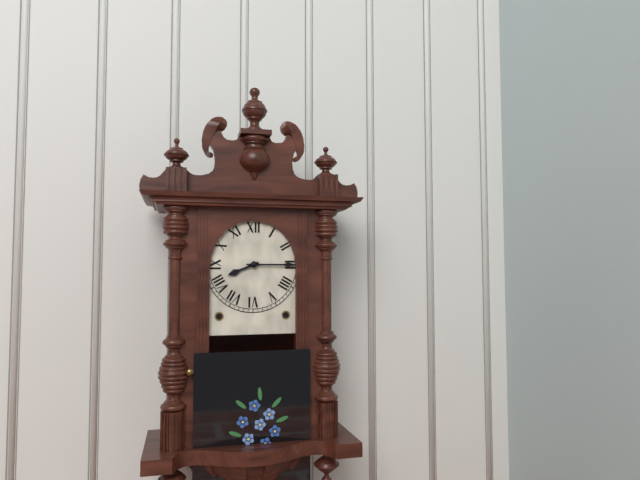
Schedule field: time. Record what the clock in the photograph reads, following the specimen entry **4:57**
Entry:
**8:15**
